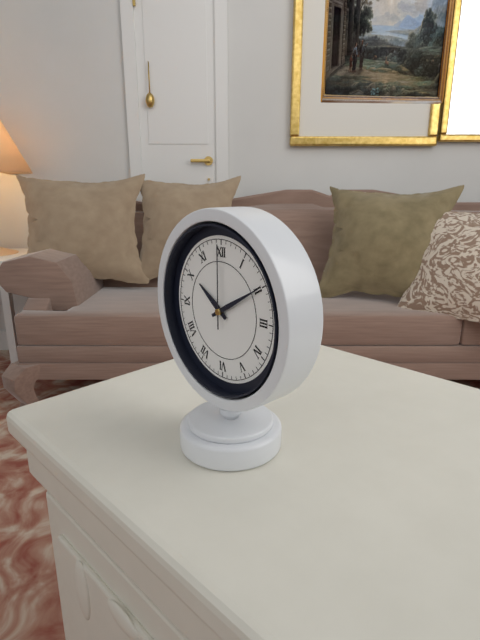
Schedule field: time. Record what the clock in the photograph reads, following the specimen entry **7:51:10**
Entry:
**10:10:00**
